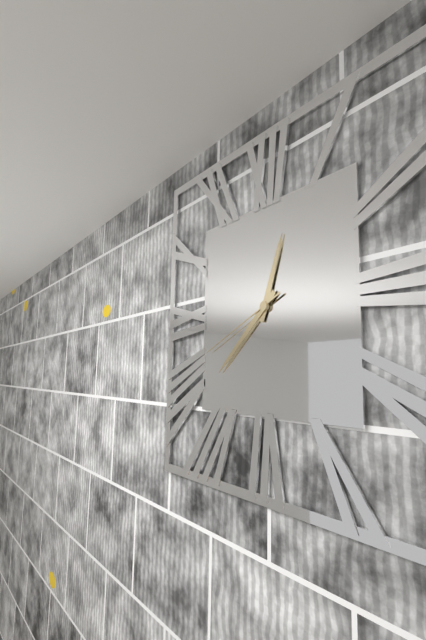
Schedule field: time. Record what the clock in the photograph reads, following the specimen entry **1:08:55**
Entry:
**12:38:41**
